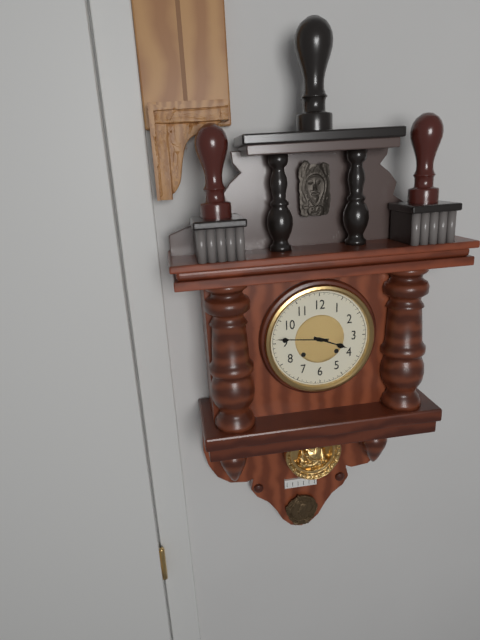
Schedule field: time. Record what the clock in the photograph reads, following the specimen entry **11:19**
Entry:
**3:46**
